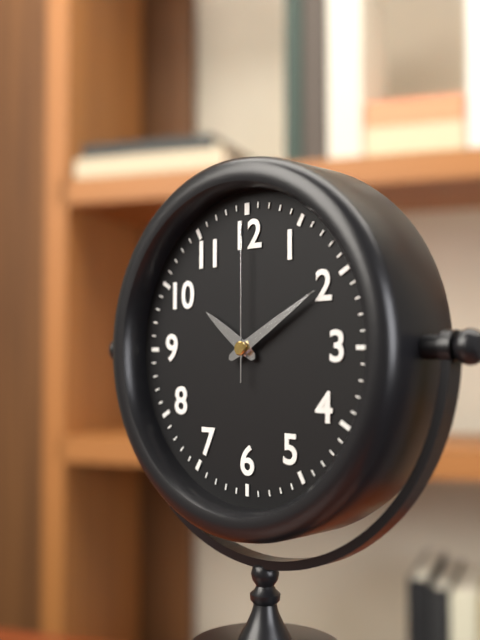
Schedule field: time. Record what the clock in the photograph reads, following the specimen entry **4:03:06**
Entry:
**10:10:00**
